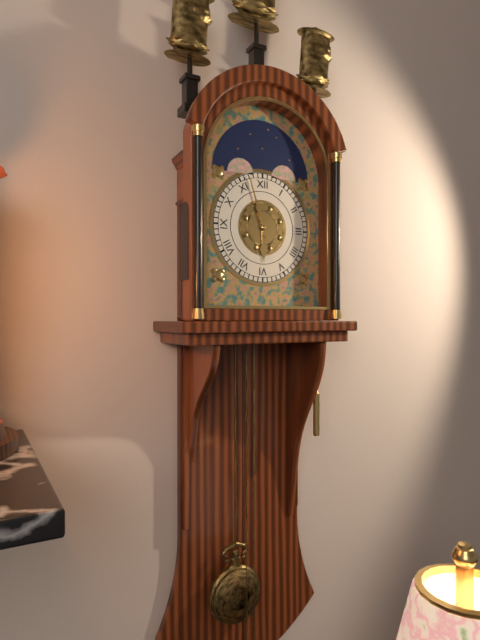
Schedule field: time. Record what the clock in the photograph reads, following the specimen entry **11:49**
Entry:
**5:57**
